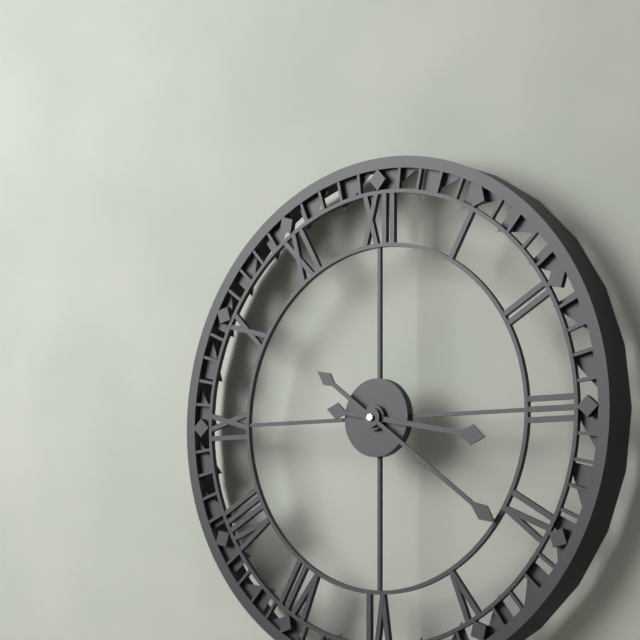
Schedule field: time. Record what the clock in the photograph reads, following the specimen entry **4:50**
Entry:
**3:21**
